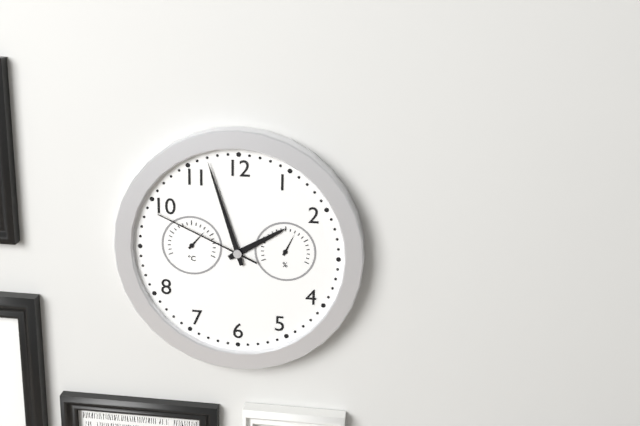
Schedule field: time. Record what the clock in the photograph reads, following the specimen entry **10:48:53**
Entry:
**1:57:49**
